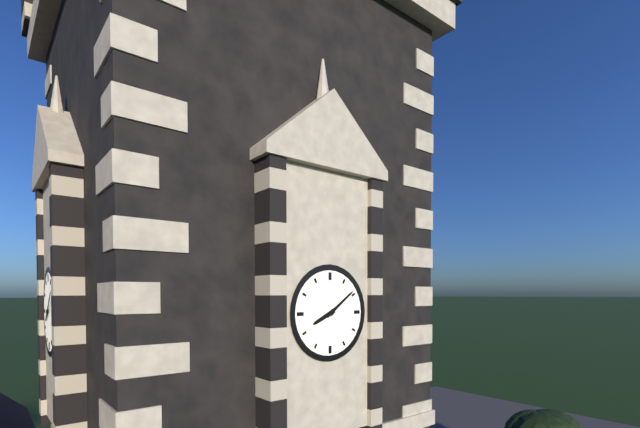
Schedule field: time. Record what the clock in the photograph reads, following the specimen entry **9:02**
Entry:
**8:09**
